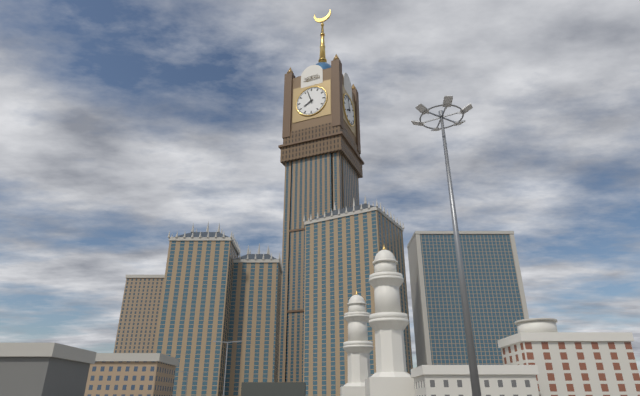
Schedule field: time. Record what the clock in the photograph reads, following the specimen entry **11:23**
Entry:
**7:57**
